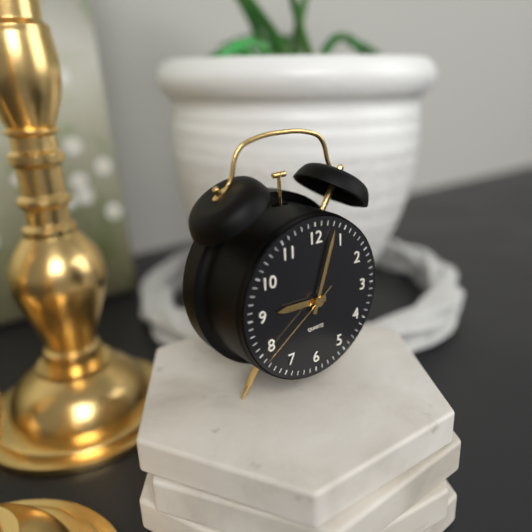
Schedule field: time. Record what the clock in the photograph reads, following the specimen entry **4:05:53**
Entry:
**9:03:39**
